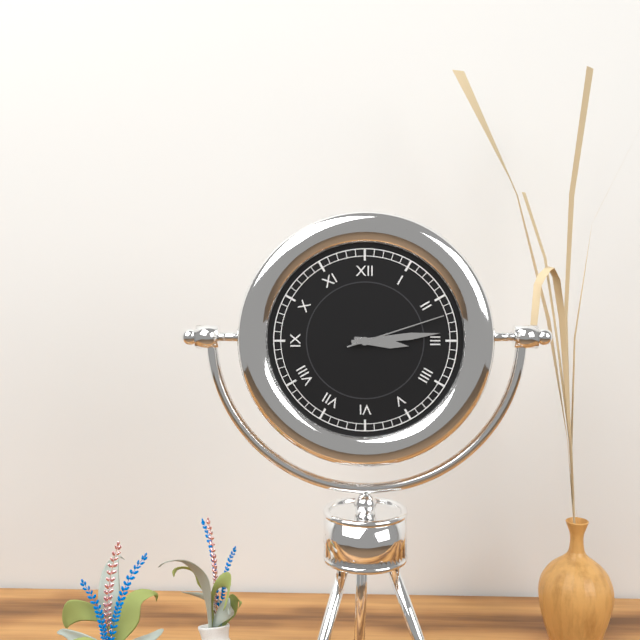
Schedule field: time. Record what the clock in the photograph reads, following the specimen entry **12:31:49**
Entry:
**3:14:12**
